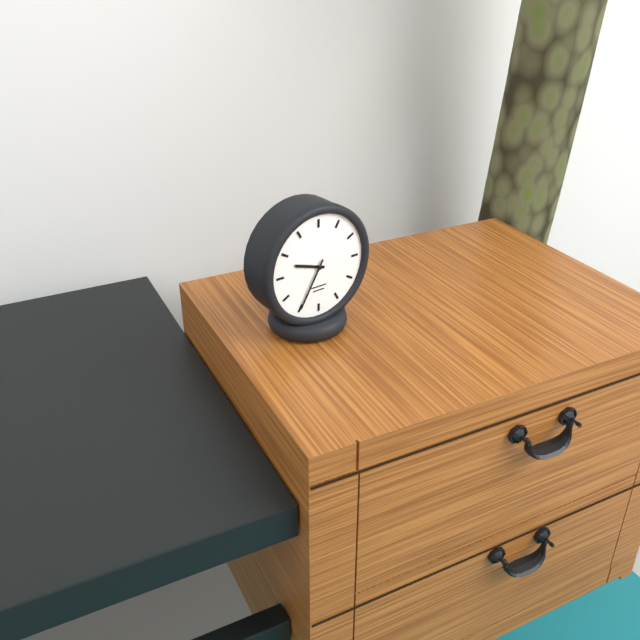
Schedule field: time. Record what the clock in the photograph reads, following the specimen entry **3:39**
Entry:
**9:35**
